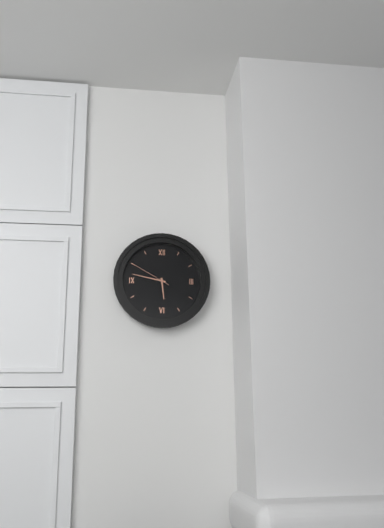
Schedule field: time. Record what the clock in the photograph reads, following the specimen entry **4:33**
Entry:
**5:47**
